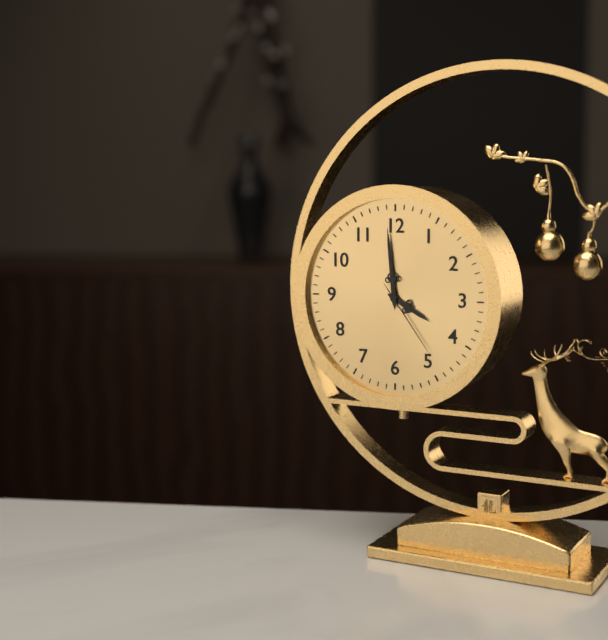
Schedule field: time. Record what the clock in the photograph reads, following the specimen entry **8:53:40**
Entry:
**3:59:24**
